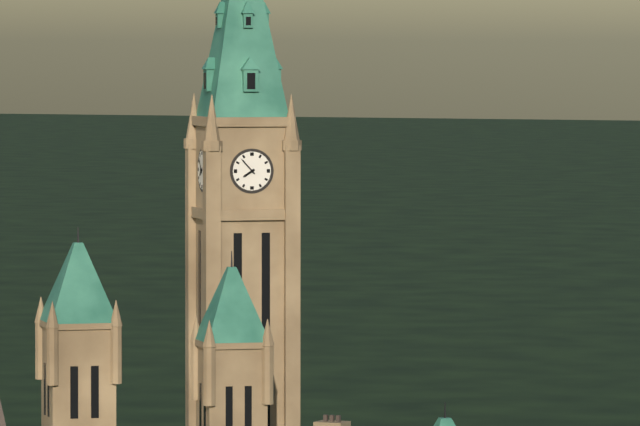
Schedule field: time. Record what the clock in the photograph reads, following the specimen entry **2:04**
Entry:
**7:53**
